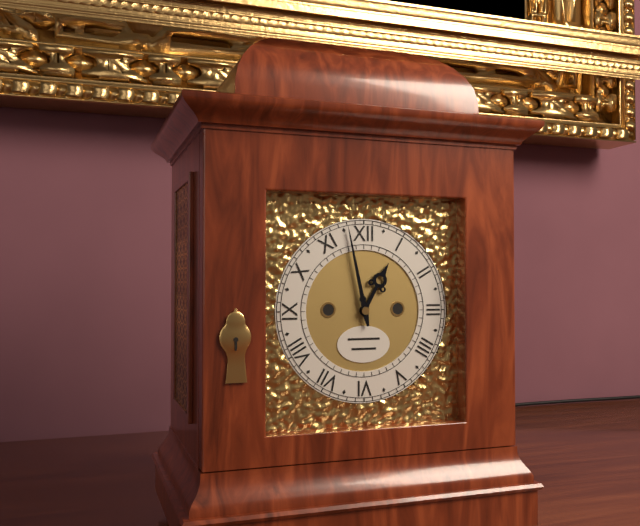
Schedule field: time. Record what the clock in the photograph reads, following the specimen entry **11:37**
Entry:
**12:58**
